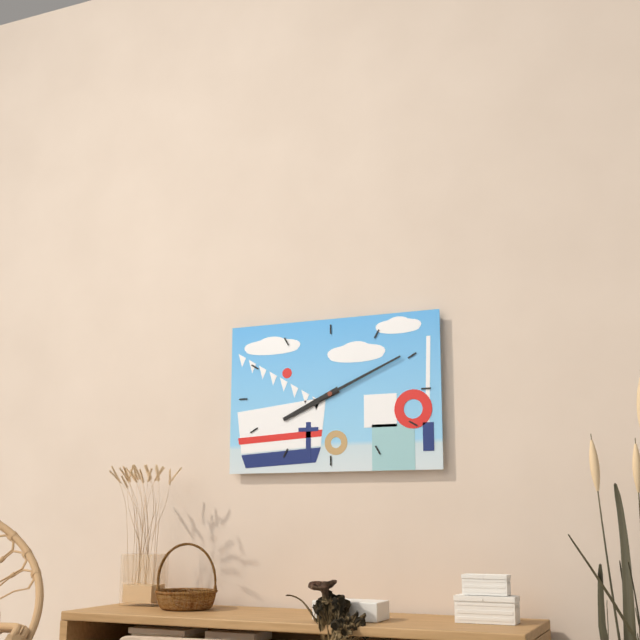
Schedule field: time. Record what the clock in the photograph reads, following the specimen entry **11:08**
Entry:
**8:11**
